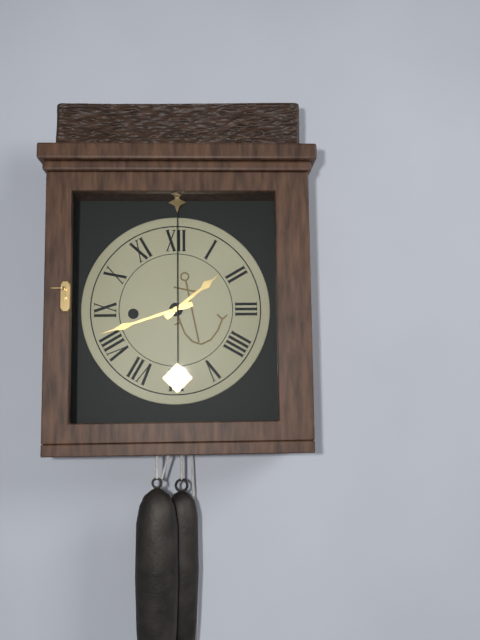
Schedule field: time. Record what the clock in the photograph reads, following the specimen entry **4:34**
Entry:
**1:42**
